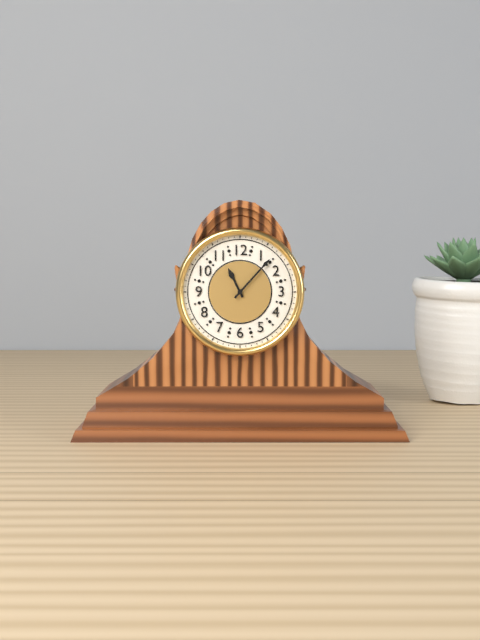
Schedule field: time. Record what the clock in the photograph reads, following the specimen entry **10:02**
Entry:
**11:07**
